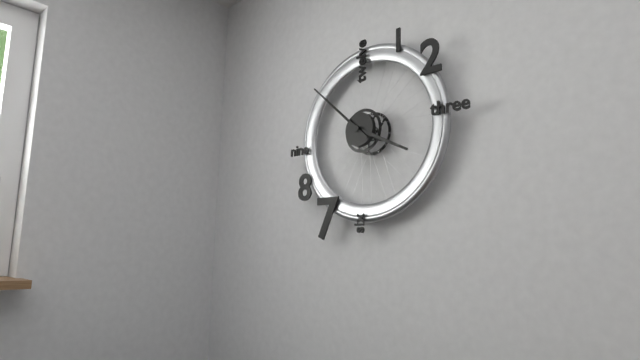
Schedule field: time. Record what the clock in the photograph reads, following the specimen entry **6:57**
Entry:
**3:52**
